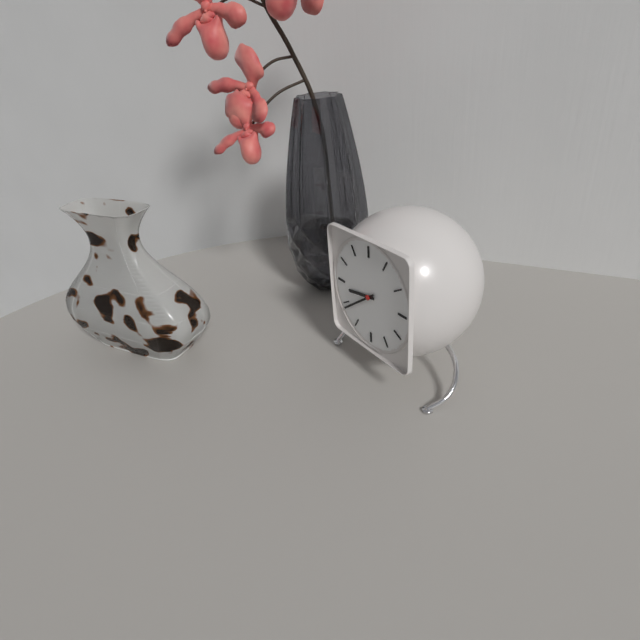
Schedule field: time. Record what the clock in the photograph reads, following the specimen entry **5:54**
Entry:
**8:39**
